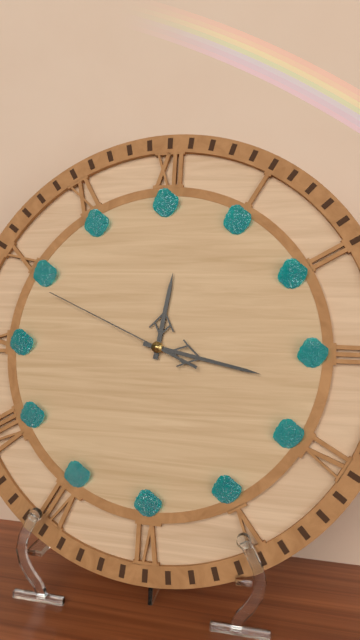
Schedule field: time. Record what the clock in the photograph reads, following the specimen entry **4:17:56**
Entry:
**12:17:49**
